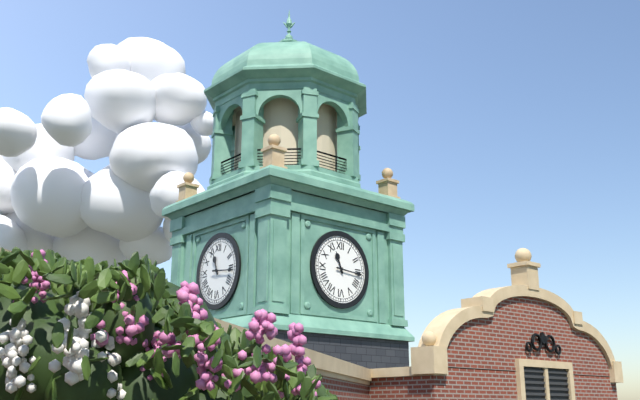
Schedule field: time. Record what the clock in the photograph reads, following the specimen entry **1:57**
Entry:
**11:16**
